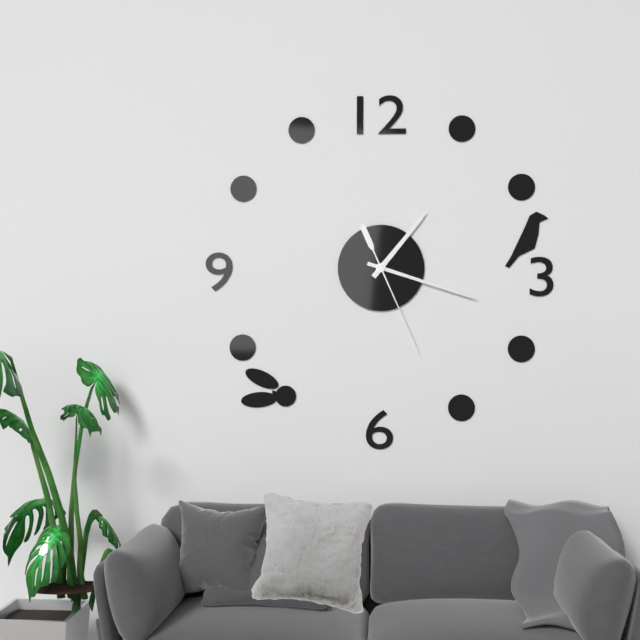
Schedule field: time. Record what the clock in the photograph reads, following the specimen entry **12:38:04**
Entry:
**1:18:26**
